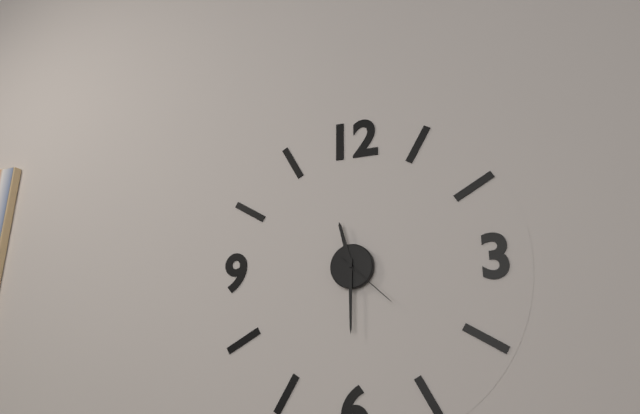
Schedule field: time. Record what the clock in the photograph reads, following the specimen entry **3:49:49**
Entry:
**11:30:22**
